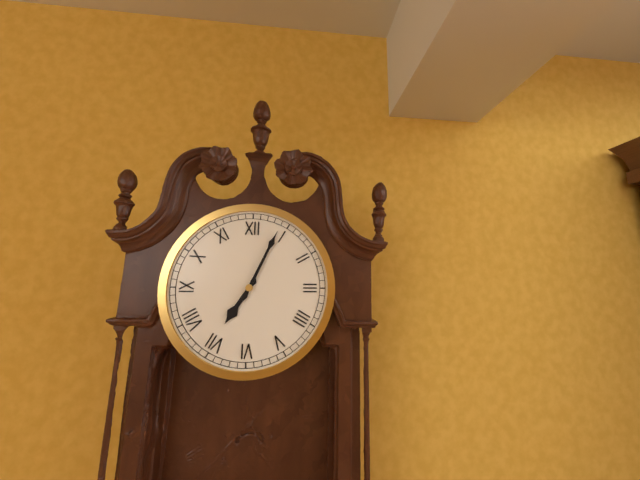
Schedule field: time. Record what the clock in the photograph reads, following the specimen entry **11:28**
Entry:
**7:04**
